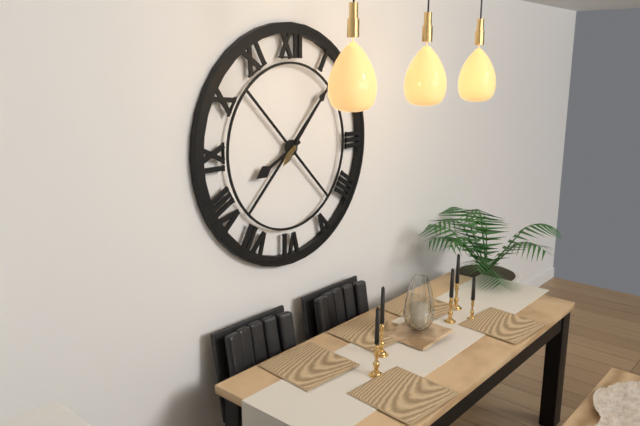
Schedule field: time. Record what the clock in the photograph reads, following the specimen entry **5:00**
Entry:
**8:07**
